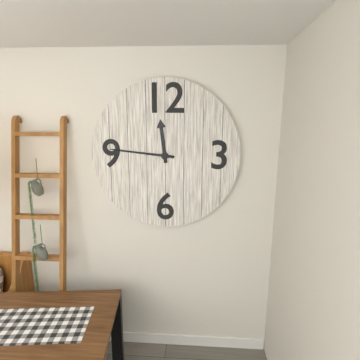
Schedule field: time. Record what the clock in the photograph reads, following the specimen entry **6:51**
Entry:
**11:46**
